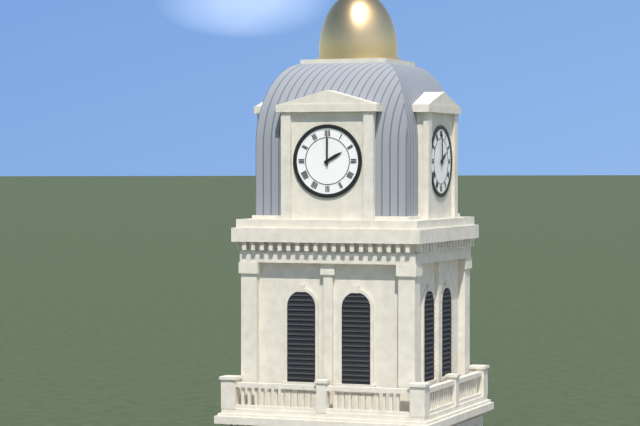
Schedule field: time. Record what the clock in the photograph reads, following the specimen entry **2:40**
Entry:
**2:00**
